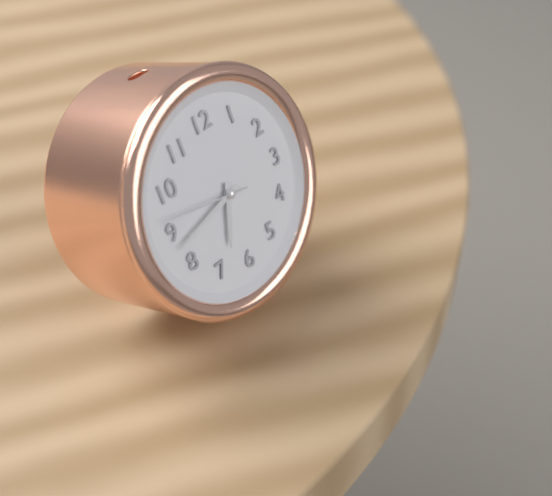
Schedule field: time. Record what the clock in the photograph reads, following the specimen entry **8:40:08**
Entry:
**6:43:47**
